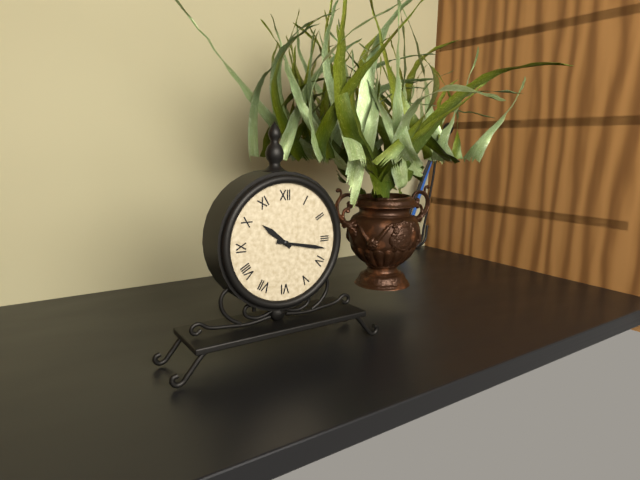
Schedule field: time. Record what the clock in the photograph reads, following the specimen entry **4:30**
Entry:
**10:17**
